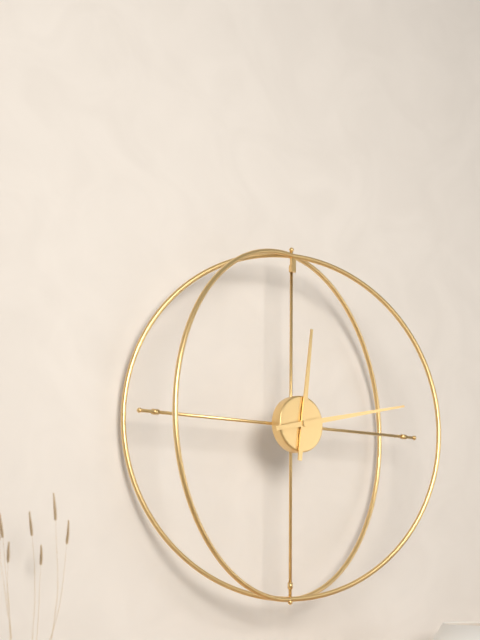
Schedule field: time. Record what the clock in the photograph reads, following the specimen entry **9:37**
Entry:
**12:13**
